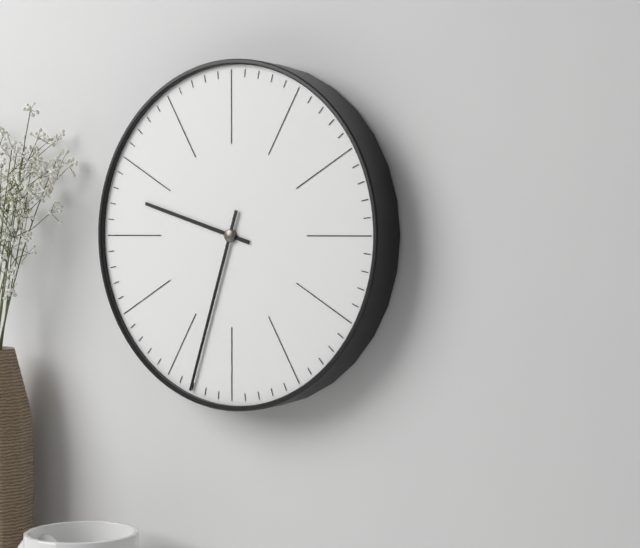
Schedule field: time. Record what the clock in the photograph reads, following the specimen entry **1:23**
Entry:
**9:33**
